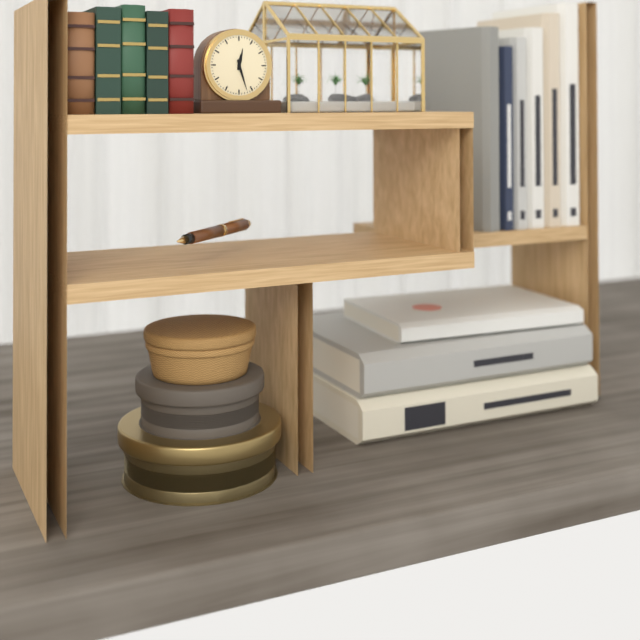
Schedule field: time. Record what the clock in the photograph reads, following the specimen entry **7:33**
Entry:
**12:27**
